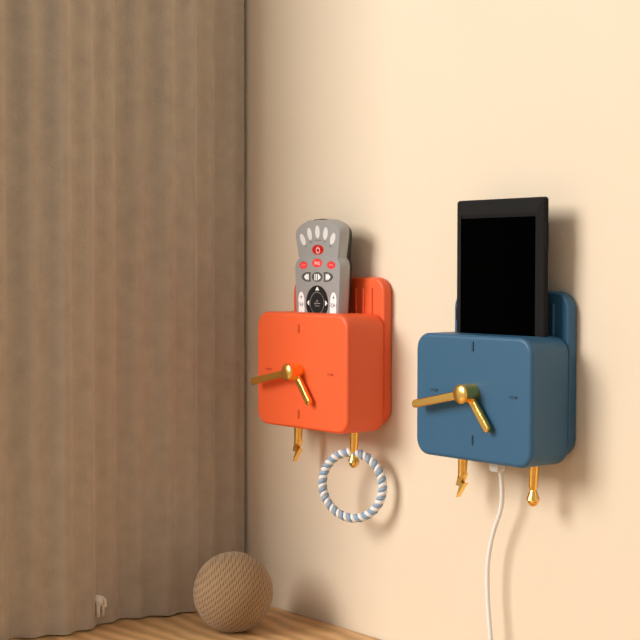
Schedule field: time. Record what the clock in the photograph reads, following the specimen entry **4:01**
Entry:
**4:43**
